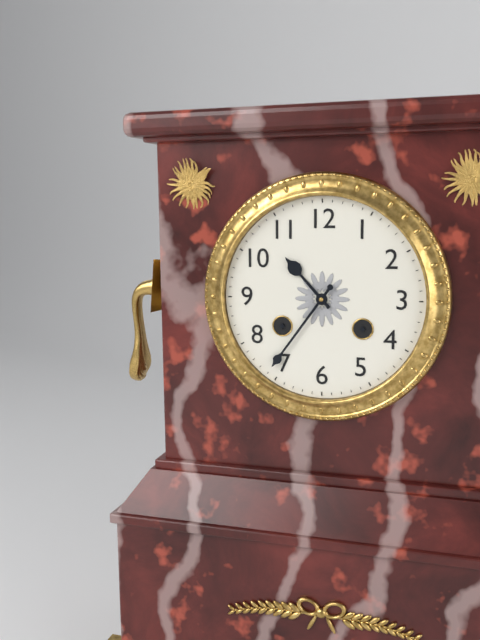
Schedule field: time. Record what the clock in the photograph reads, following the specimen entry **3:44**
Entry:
**10:36**
